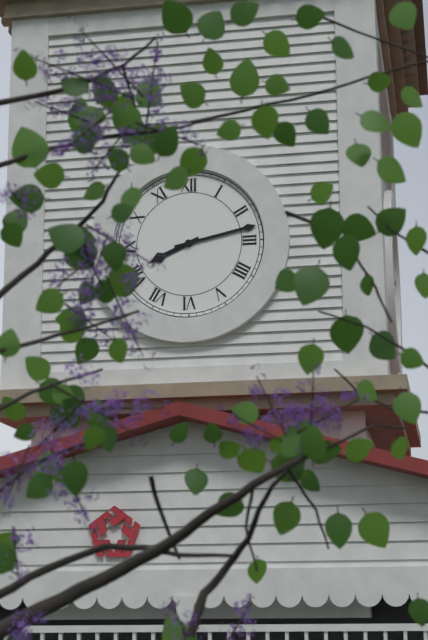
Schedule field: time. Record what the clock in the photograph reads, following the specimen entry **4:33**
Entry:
**8:13**
